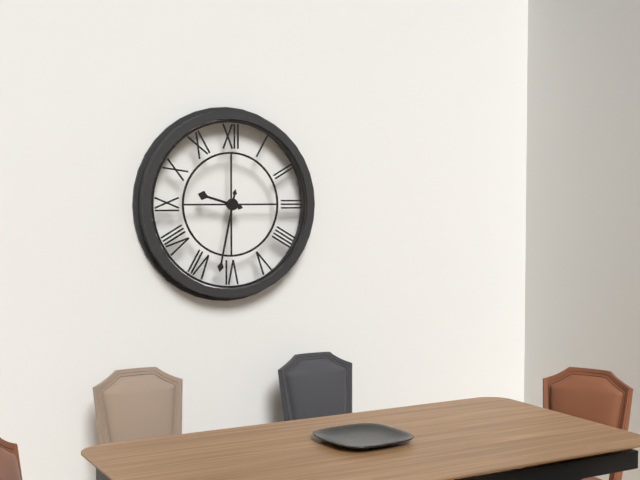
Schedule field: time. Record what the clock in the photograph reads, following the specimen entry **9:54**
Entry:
**9:32**
